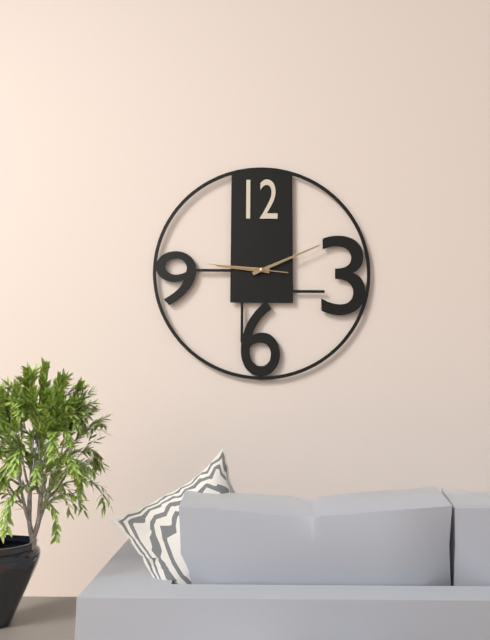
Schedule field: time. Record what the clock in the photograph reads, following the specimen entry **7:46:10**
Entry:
**9:11:46**
